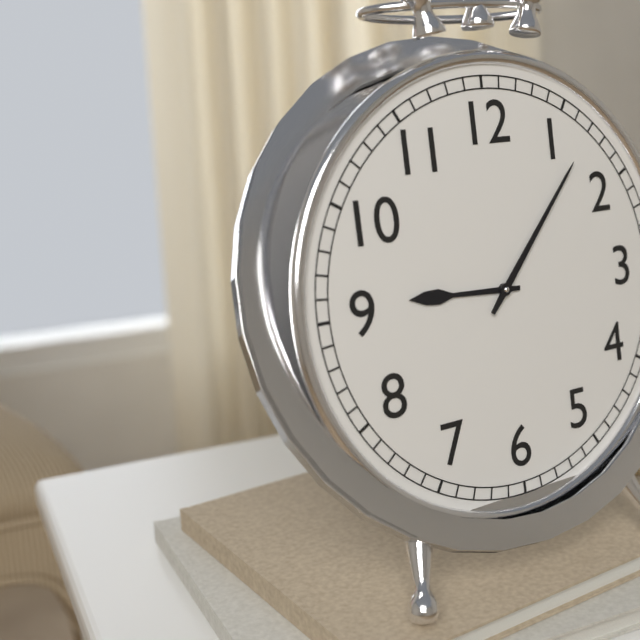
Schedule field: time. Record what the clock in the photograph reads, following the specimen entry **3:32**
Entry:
**9:07**
